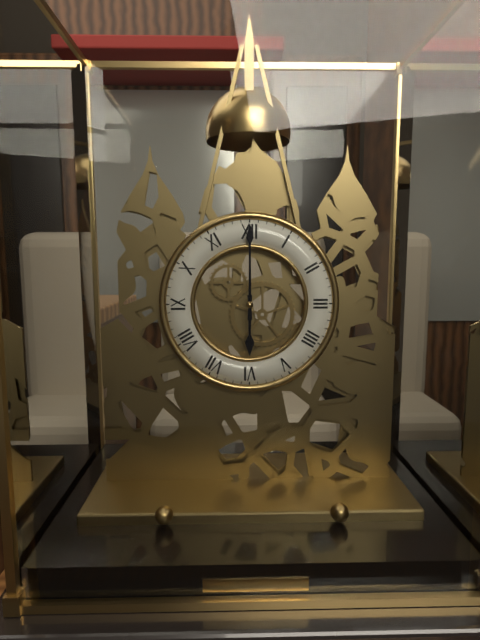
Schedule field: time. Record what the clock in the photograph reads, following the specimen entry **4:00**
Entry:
**6:00**
